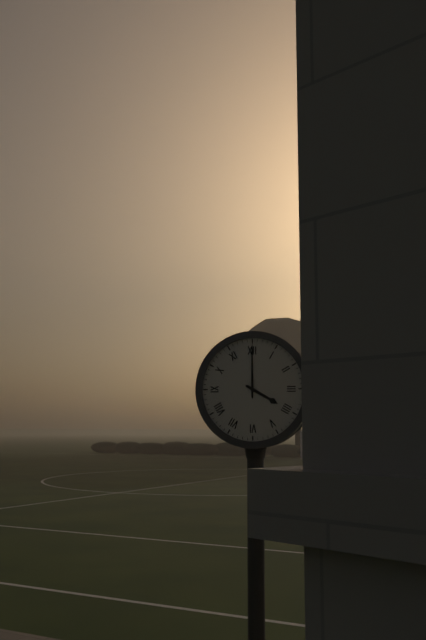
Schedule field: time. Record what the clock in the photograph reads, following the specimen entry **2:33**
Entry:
**4:00**
